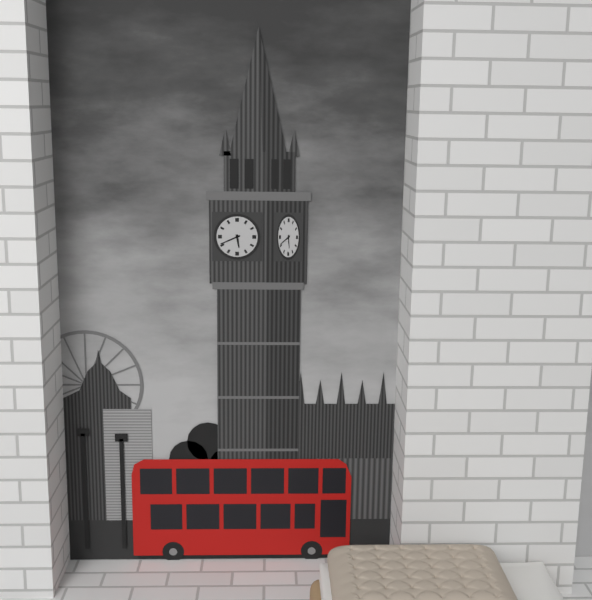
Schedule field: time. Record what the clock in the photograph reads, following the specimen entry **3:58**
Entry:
**5:41**
